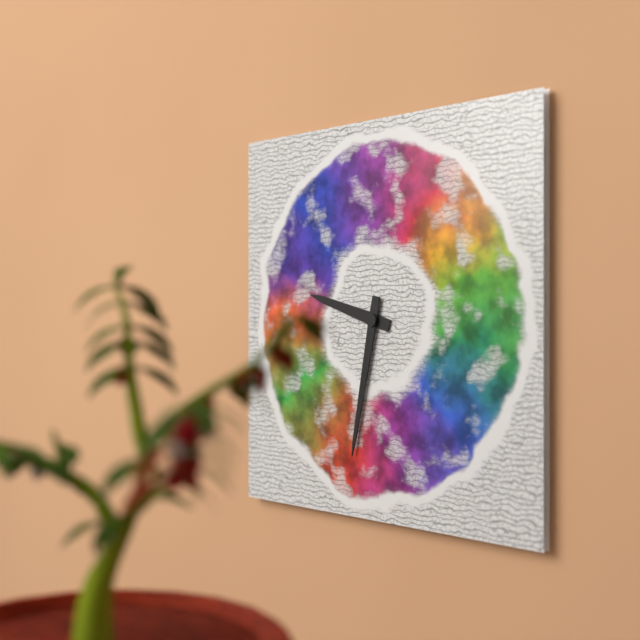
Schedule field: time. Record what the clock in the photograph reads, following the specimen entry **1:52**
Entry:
**9:32**
